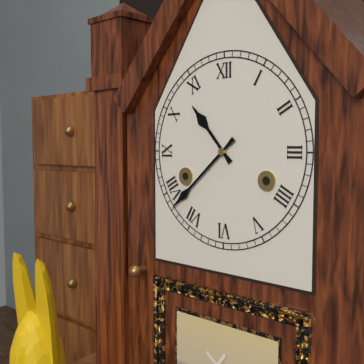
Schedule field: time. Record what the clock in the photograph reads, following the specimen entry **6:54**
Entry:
**10:38**
